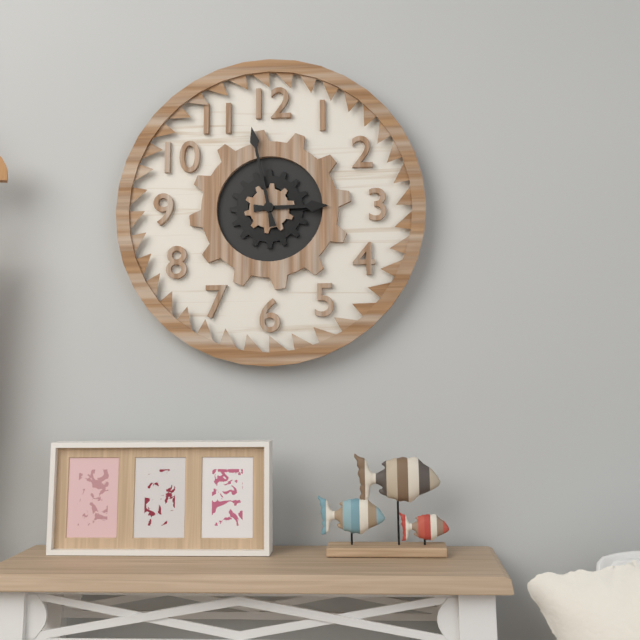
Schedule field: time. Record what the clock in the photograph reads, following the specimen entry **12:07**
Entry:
**2:58**
